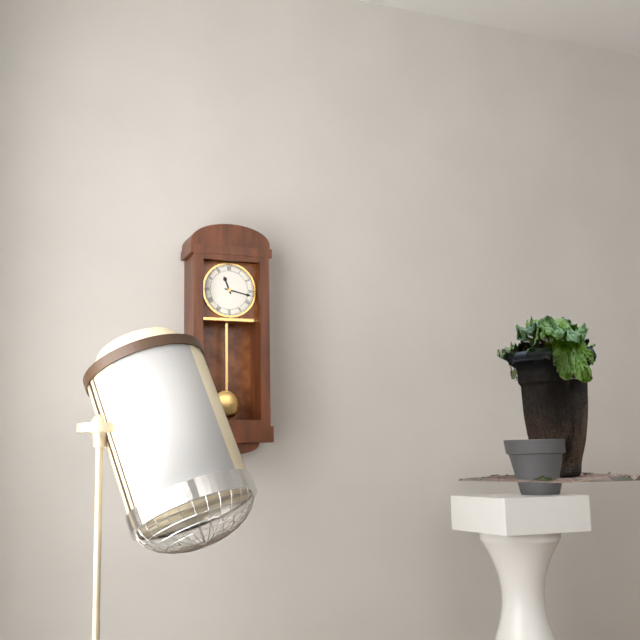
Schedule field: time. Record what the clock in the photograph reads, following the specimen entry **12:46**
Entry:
**11:17**
